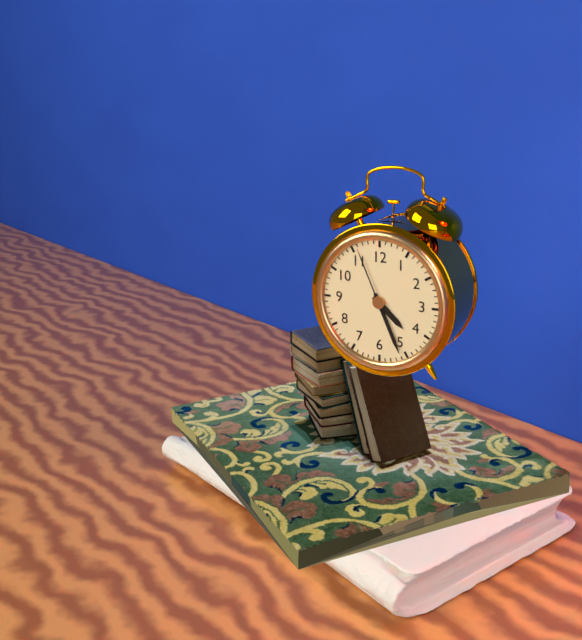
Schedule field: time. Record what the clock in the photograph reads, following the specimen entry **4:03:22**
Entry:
**4:26:56**
